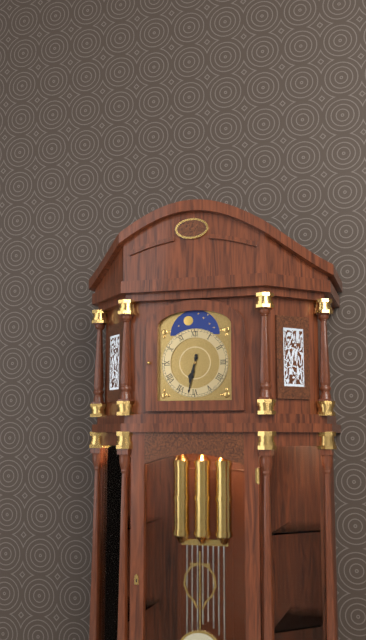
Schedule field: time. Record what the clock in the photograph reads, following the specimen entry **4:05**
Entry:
**6:32**
